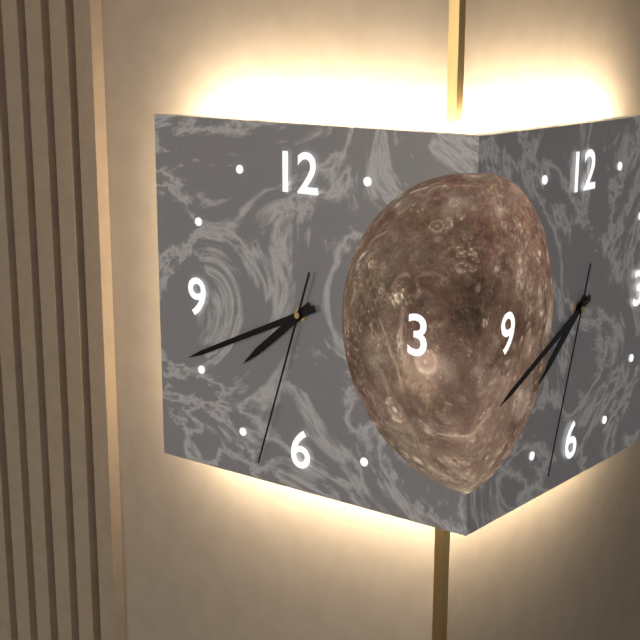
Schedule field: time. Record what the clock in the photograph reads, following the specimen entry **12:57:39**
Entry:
**7:41:33**
